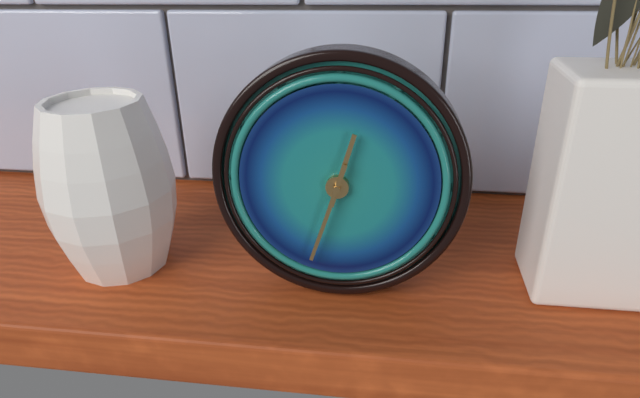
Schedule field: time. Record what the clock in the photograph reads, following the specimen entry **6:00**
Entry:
**12:33**
